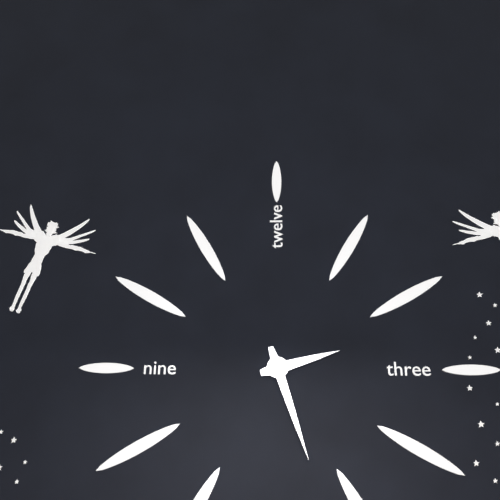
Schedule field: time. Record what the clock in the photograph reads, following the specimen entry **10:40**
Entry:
**2:27**
